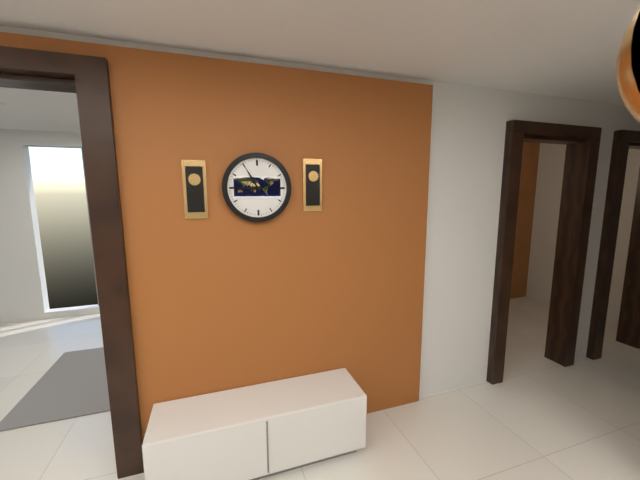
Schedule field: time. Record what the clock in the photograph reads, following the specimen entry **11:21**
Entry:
**8:55**
